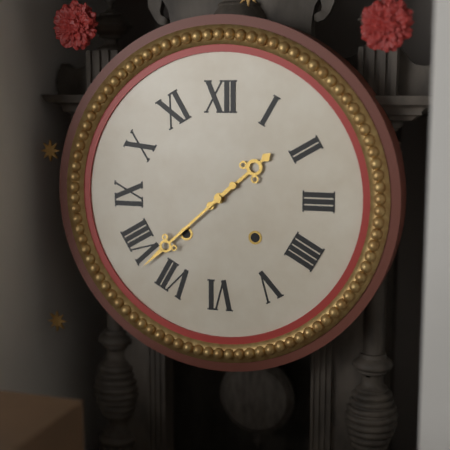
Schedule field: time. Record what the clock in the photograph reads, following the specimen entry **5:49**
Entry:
**1:38**
